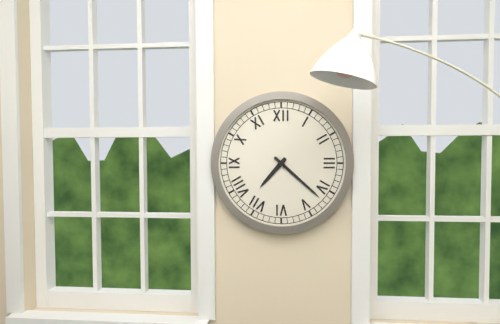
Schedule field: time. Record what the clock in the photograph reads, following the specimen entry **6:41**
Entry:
**7:22**
